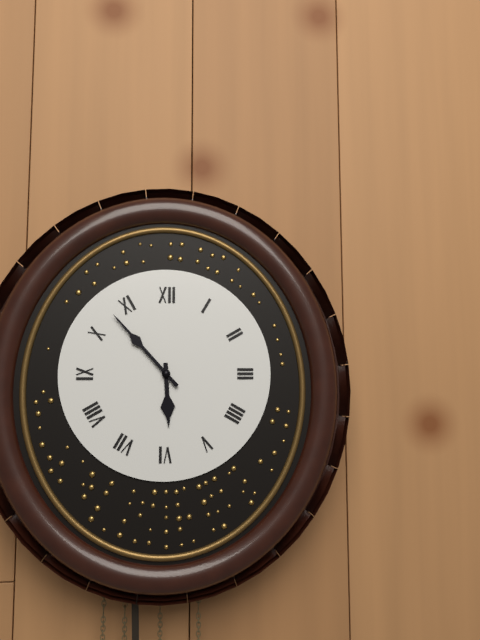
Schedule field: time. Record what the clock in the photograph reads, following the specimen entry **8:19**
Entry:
**5:53**
